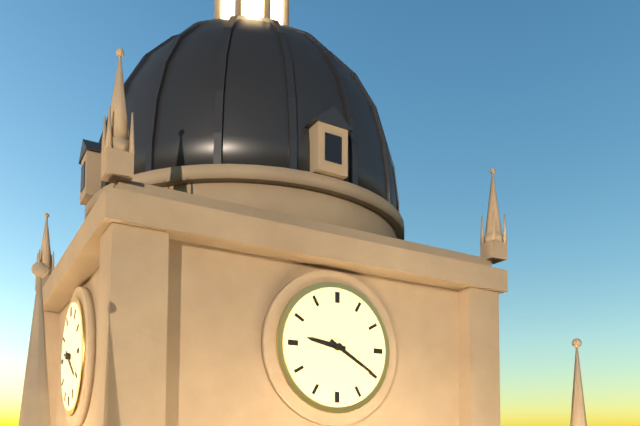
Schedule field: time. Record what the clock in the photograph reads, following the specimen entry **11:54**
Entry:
**9:20**
